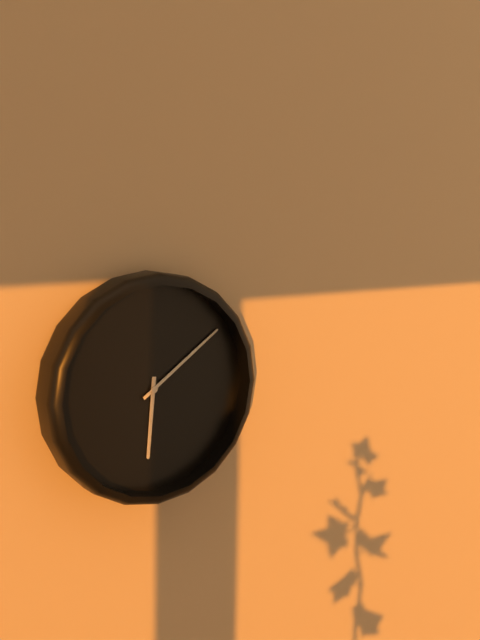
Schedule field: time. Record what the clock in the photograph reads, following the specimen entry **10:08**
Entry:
**6:09**
